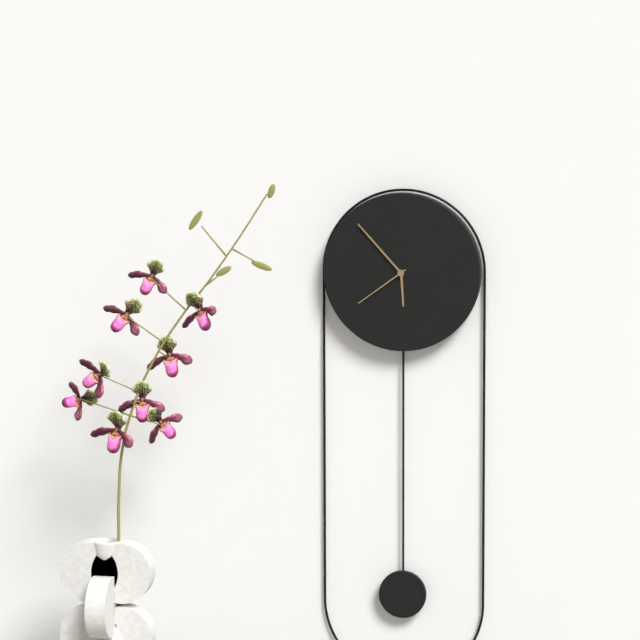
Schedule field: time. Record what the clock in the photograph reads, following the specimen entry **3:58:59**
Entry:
**5:53:39**
